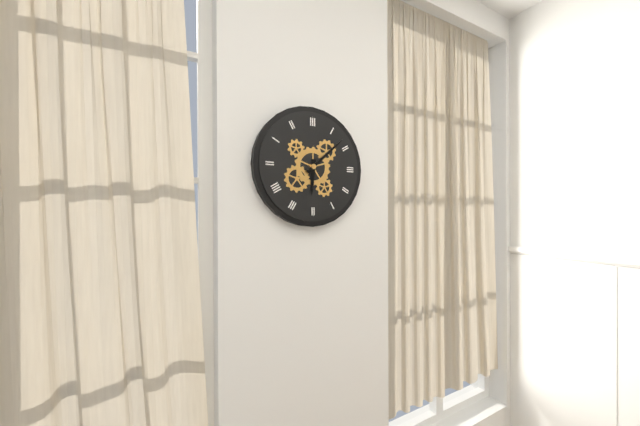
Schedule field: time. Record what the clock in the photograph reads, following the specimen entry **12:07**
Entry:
**6:08**
